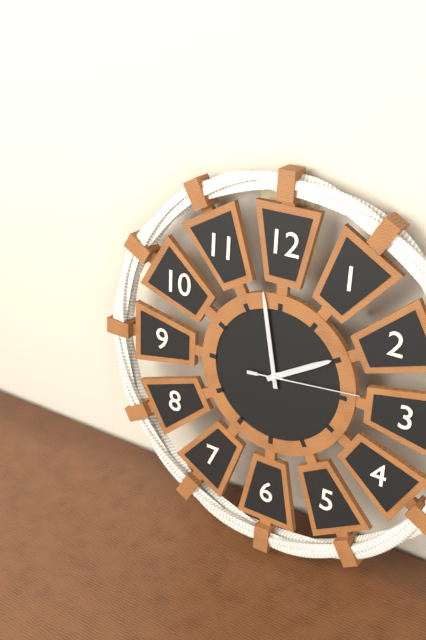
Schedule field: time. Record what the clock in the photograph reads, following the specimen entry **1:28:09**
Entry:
**1:58:14**
